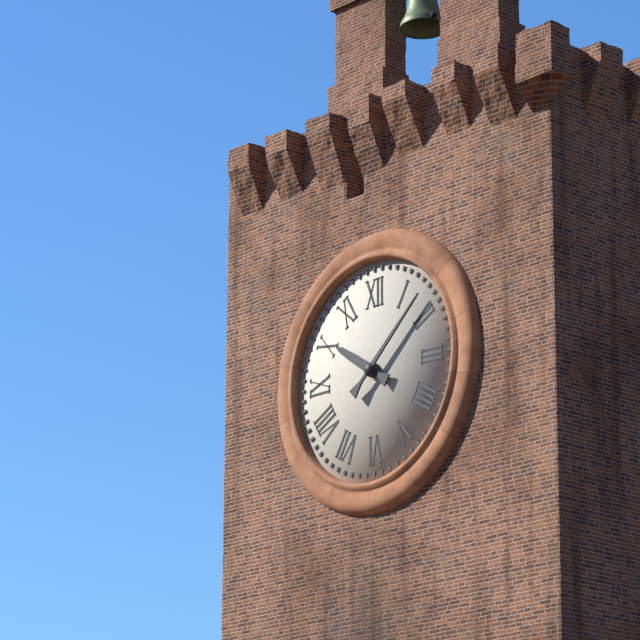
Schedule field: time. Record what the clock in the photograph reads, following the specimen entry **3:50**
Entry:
**10:08**
